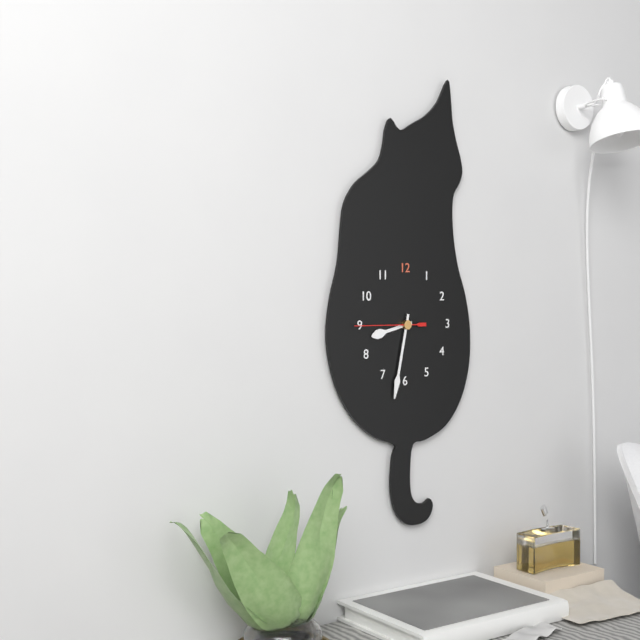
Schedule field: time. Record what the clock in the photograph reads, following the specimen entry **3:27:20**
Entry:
**8:32:45**
